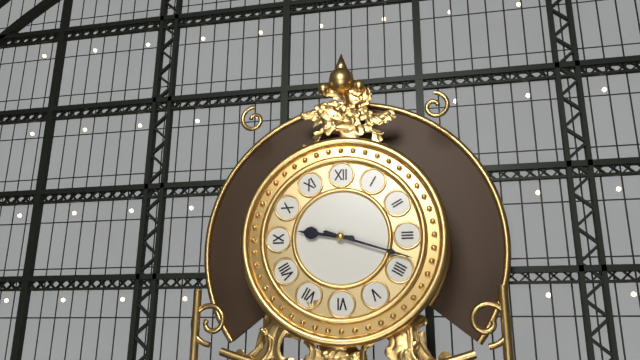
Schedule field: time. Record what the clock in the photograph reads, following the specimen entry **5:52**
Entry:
**9:18**
